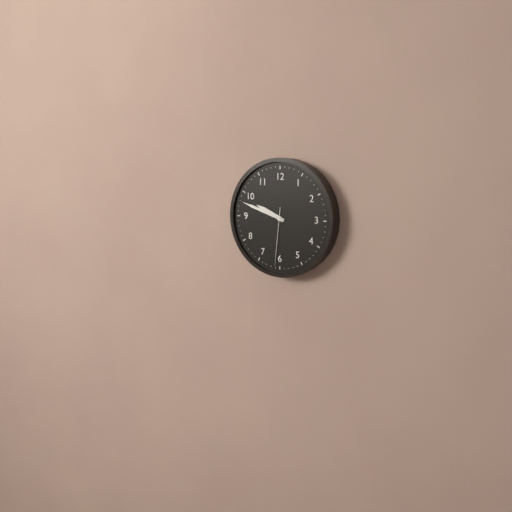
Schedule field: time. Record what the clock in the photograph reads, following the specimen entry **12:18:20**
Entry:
**9:48:31**
